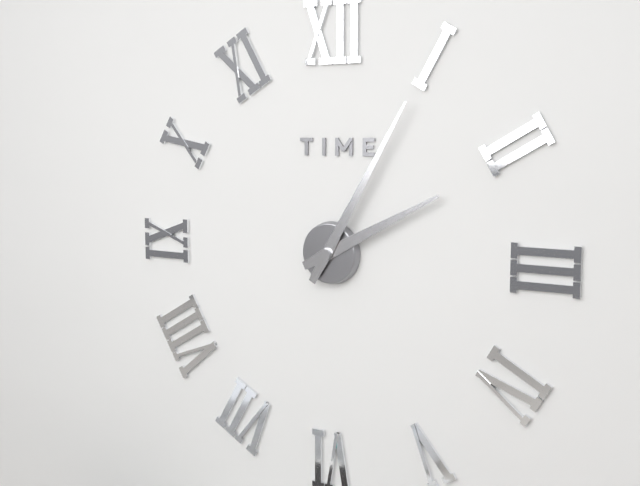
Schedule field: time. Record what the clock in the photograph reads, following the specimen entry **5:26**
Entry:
**2:05**
